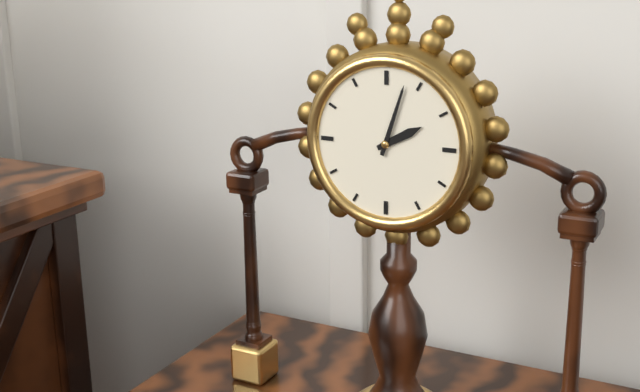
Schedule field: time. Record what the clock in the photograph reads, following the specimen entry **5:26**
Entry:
**2:03**
